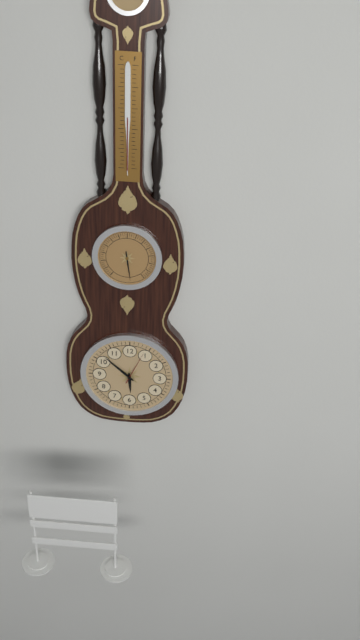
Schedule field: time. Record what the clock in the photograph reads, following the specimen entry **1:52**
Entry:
**5:52**
